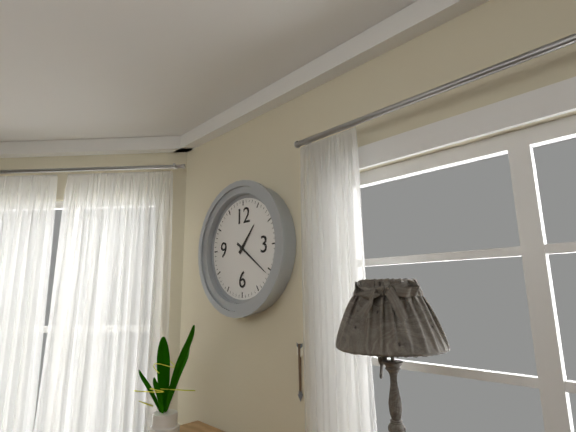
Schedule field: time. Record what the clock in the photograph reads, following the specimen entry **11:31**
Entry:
**1:21**
